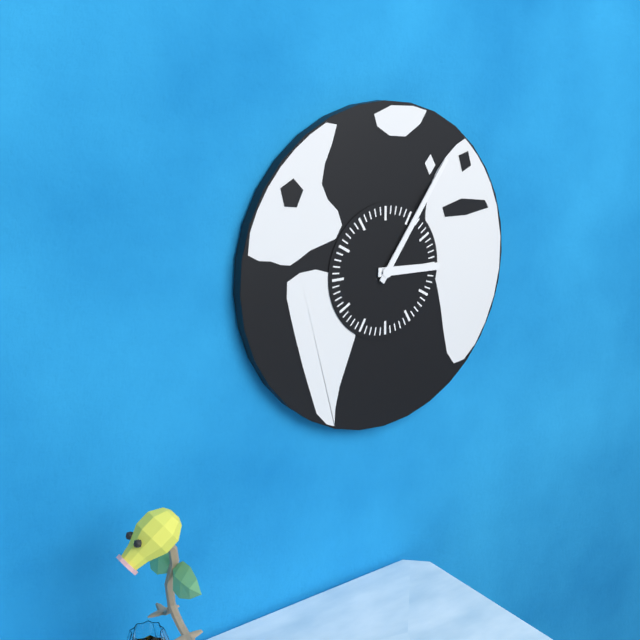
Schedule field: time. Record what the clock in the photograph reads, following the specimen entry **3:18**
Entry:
**3:06**
